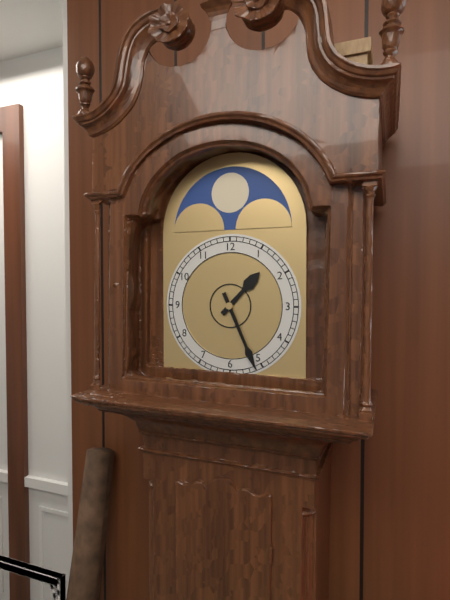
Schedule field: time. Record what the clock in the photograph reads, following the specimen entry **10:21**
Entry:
**1:26**
